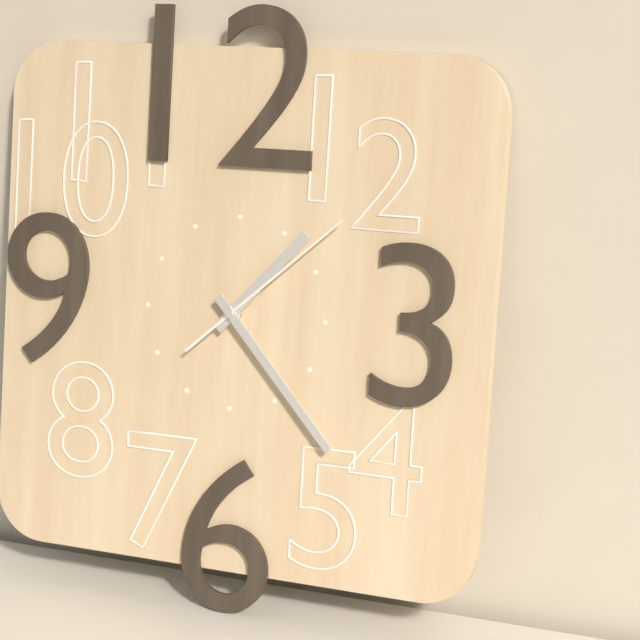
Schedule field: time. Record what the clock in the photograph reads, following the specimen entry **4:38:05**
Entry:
**1:23:08**
